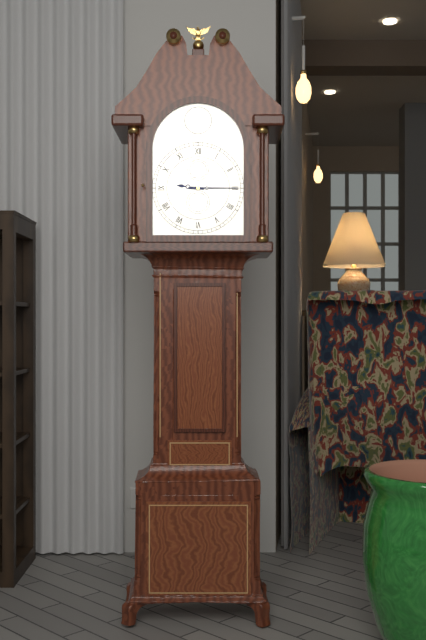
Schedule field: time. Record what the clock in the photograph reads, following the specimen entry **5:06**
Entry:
**9:15**
